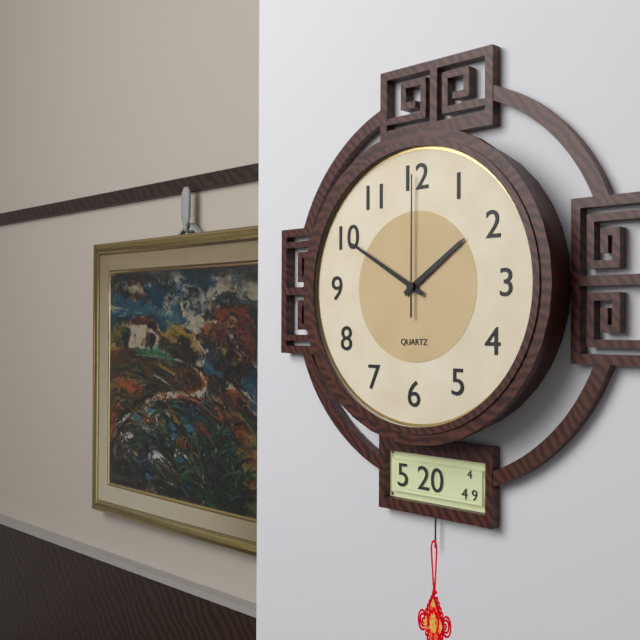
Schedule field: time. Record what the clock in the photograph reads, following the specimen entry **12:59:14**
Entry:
**1:50:00**
